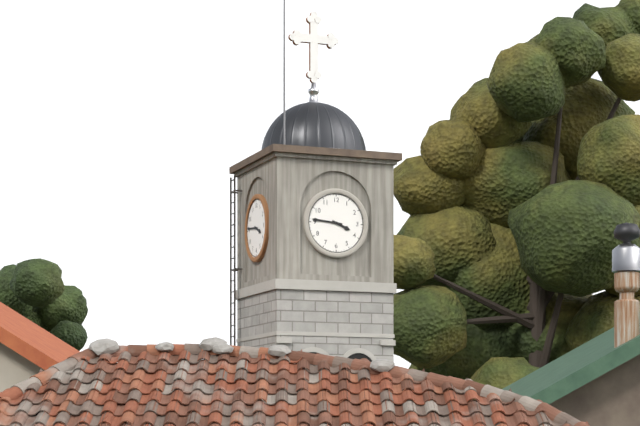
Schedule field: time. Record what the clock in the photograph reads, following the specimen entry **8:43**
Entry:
**3:46**
